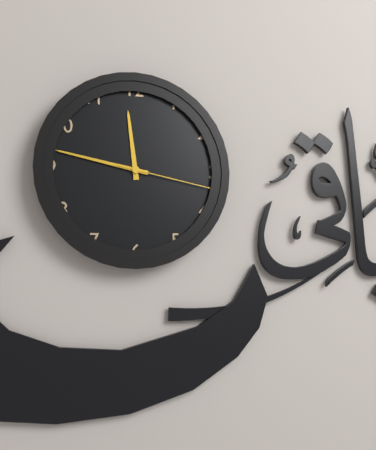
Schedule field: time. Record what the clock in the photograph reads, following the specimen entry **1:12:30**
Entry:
**11:47:17**
